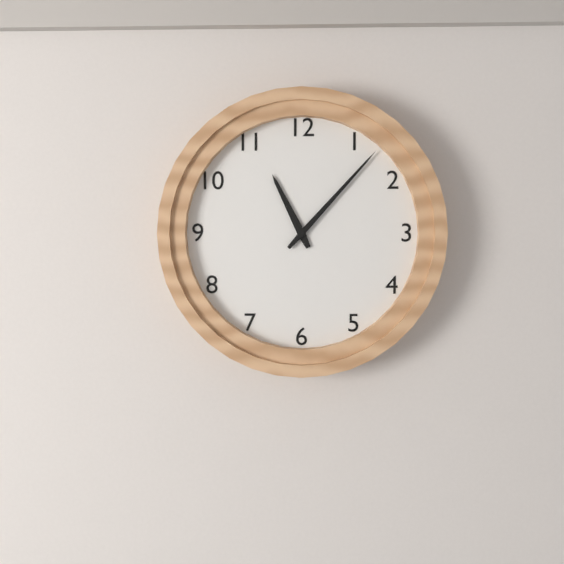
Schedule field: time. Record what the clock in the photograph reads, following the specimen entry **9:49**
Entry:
**11:07**
